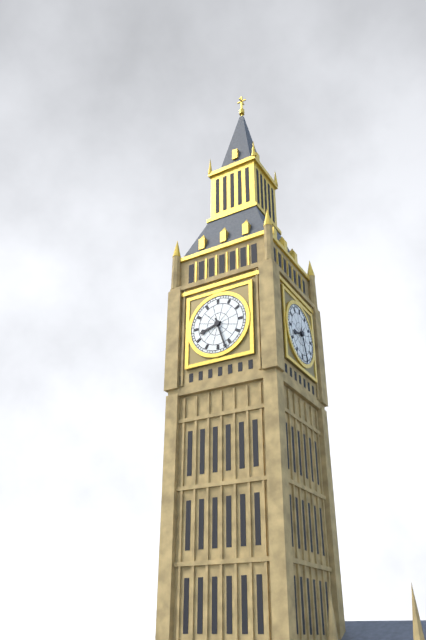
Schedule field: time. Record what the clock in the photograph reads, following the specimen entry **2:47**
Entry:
**8:27**
